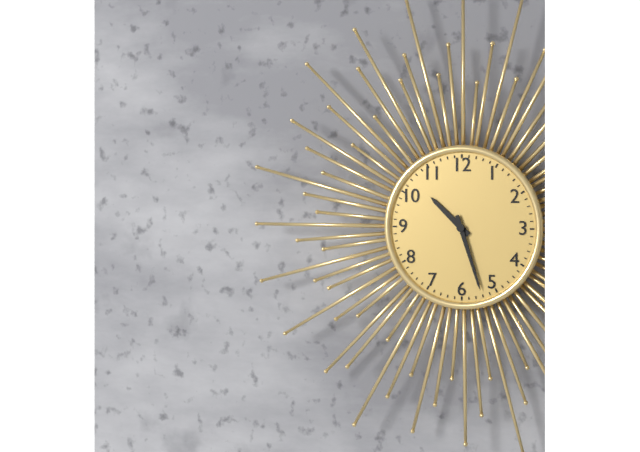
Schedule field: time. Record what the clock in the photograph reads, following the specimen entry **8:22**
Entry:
**10:27**
